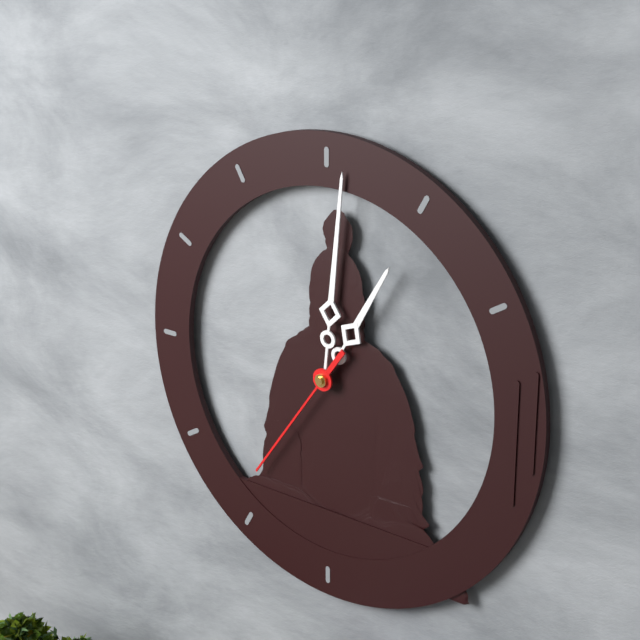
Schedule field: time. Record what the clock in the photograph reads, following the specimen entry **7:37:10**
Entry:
**1:01:36**
